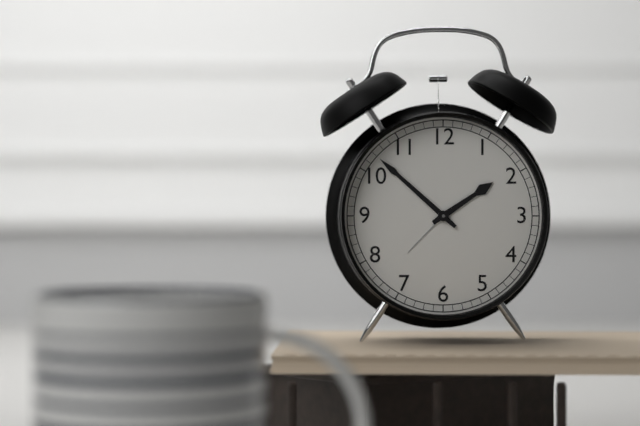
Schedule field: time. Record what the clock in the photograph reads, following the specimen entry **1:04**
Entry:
**1:52**
